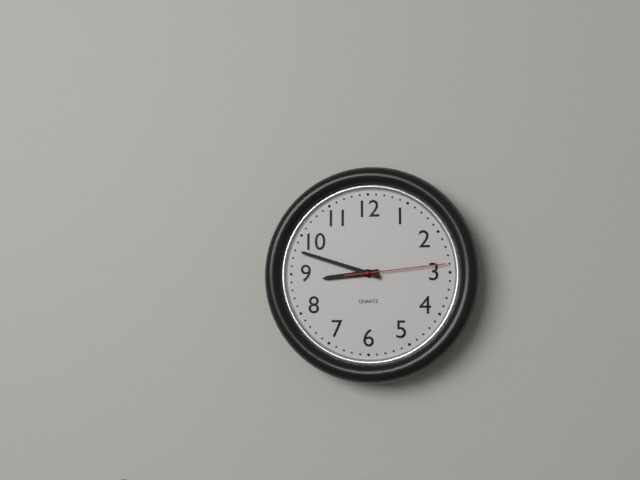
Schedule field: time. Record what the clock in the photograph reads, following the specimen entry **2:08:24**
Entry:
**8:48:14**
